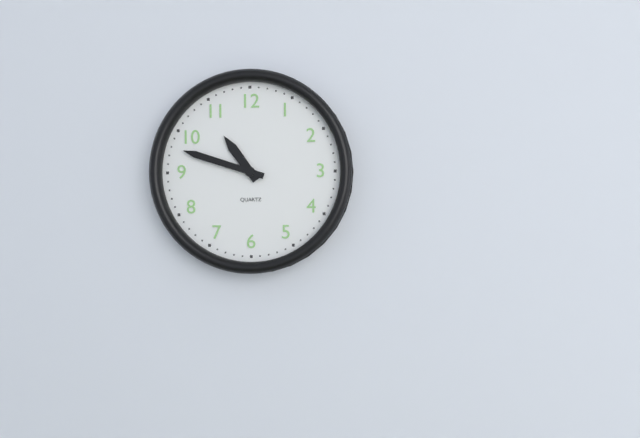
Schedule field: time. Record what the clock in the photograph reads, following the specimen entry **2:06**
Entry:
**10:48**
